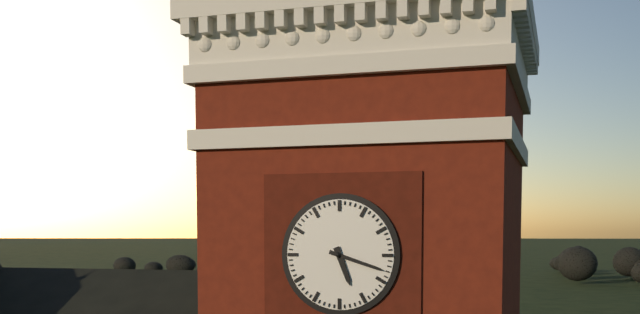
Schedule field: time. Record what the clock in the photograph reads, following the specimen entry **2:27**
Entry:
**5:18**
